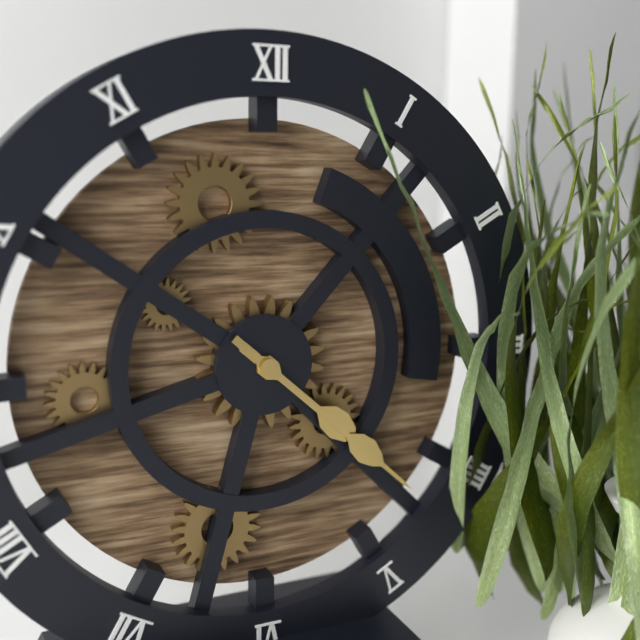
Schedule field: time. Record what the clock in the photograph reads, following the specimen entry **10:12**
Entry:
**4:22**
